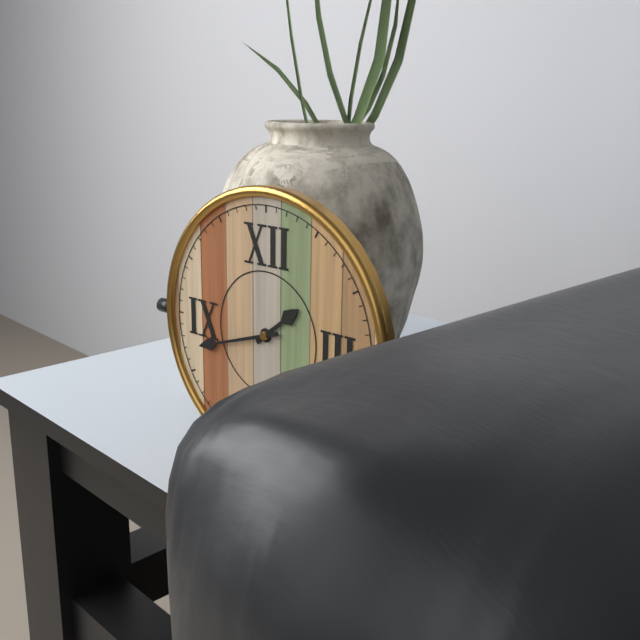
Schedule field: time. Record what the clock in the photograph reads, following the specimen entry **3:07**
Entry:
**1:42**
